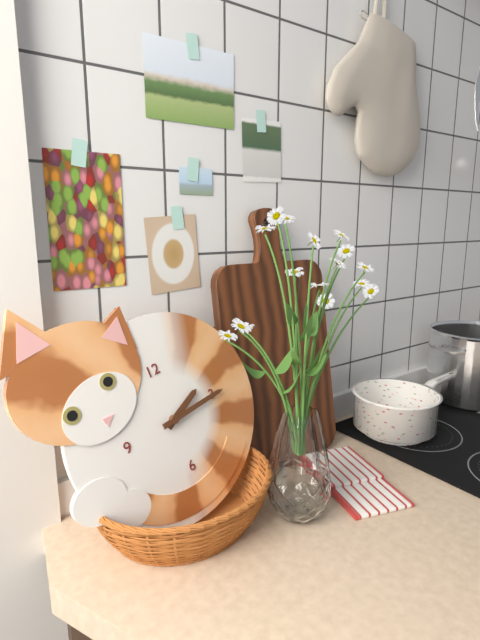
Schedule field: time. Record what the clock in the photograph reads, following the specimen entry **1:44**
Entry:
**2:15**
